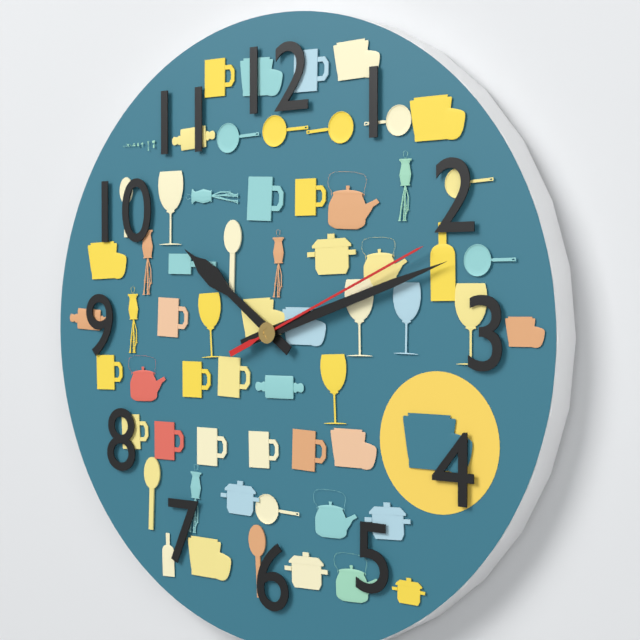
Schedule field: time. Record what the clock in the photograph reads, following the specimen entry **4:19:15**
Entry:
**10:12:11**
